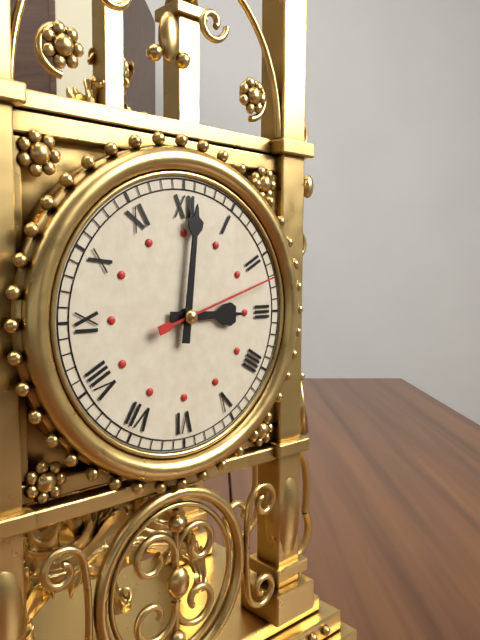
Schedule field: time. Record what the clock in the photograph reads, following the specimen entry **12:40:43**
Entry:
**3:01:12**
